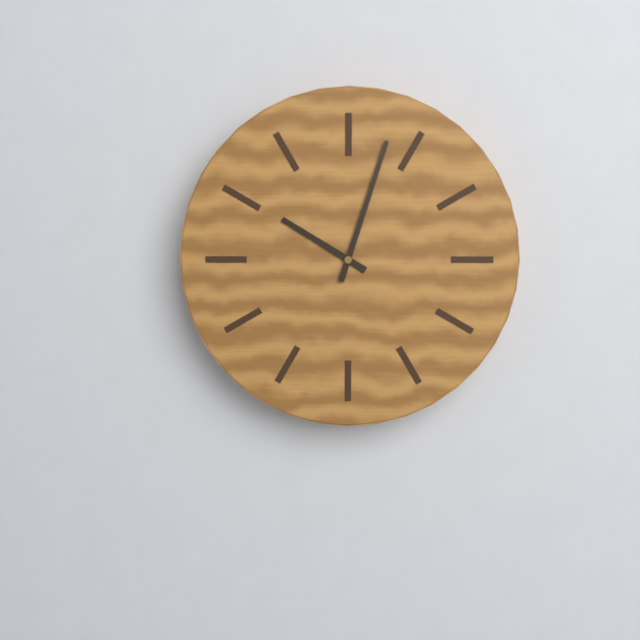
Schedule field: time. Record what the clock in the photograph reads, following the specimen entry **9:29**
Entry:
**10:03**
